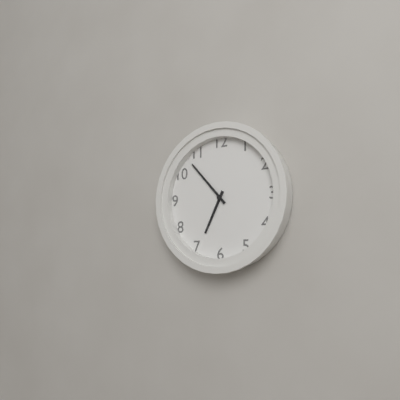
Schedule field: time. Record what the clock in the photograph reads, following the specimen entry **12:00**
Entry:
**6:53**
